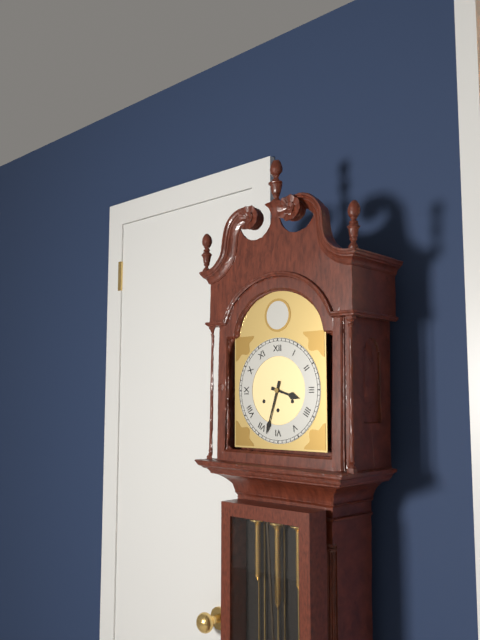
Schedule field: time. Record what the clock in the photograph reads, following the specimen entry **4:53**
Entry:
**3:33**
